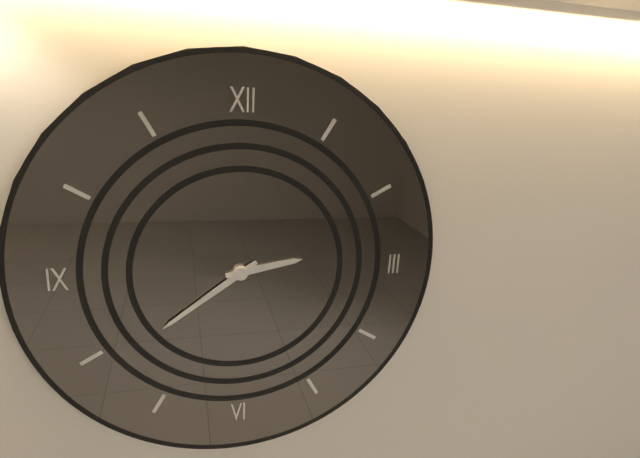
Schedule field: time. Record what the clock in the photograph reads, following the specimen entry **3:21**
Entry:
**2:39**
